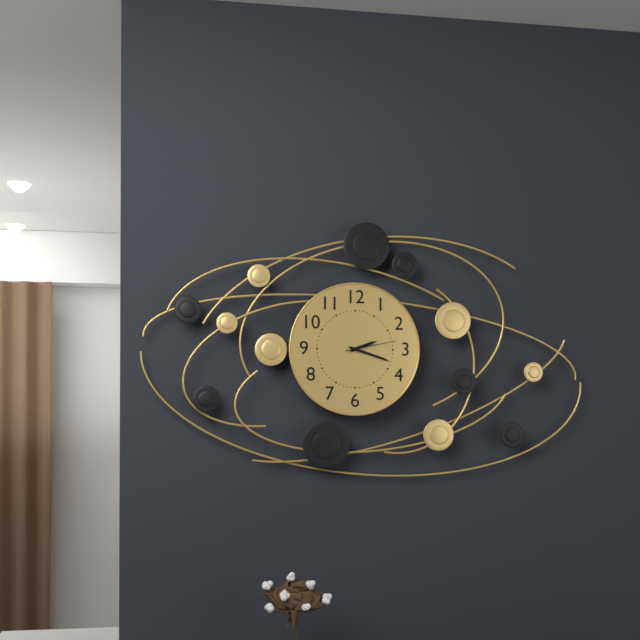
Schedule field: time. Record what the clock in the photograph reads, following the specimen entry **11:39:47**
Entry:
**2:18:13**
